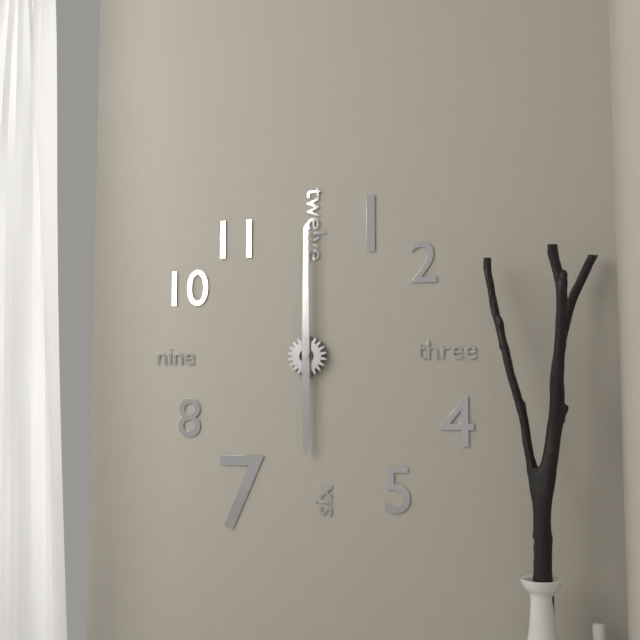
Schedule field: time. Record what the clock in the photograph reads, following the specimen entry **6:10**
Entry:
**6:00**
